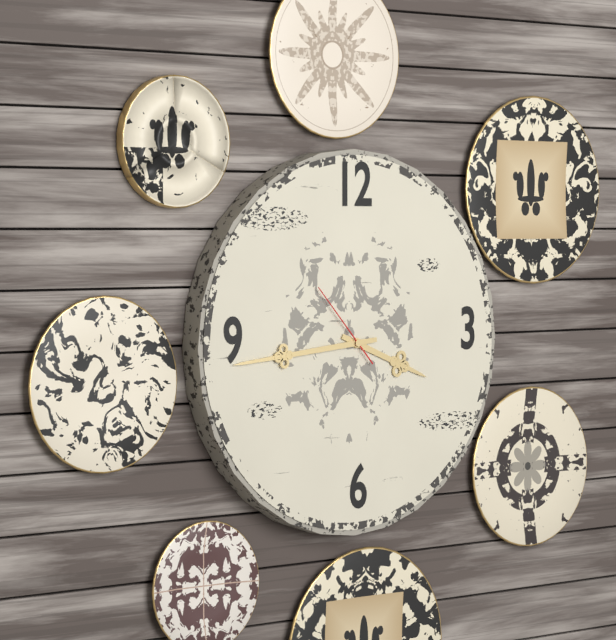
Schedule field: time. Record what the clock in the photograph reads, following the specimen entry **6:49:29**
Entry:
**3:44:53**
